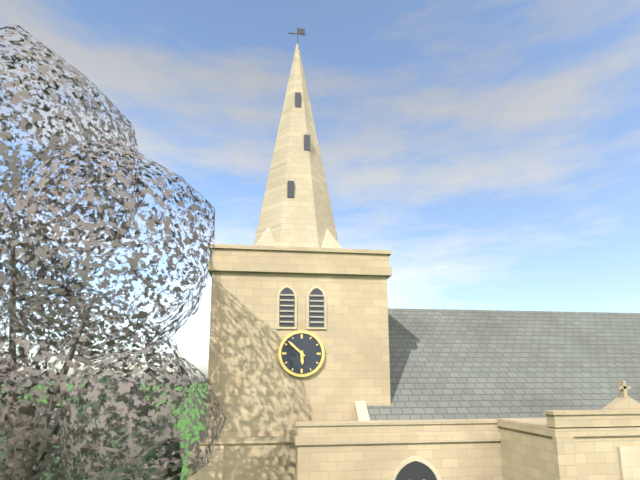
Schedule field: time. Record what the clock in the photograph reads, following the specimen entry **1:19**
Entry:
**5:52**
